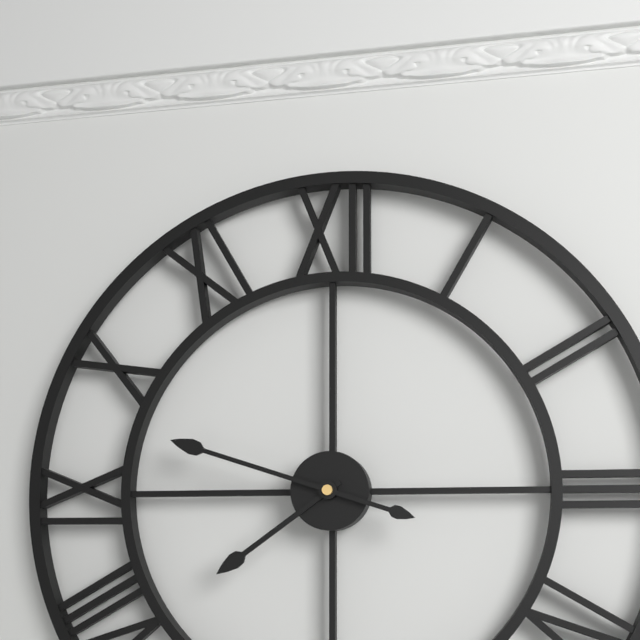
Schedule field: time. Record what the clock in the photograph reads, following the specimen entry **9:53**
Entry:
**7:48**
